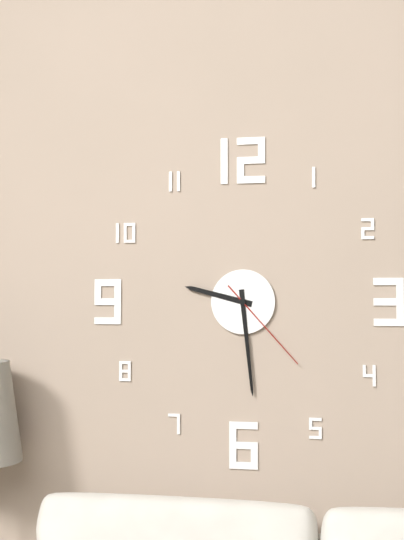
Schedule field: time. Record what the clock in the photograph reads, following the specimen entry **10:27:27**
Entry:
**9:29:23**
